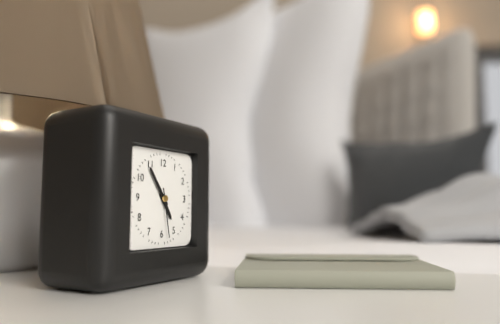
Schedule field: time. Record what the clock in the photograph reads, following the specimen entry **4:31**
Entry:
**4:54**
